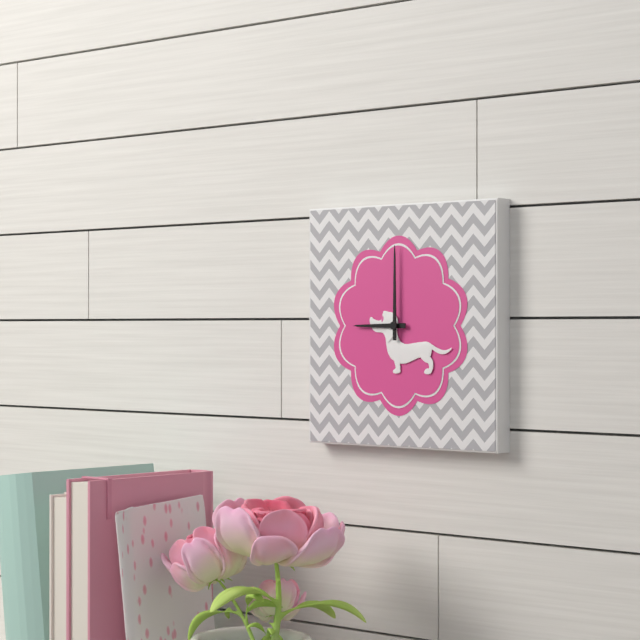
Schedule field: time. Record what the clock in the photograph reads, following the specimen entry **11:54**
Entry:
**9:00**
